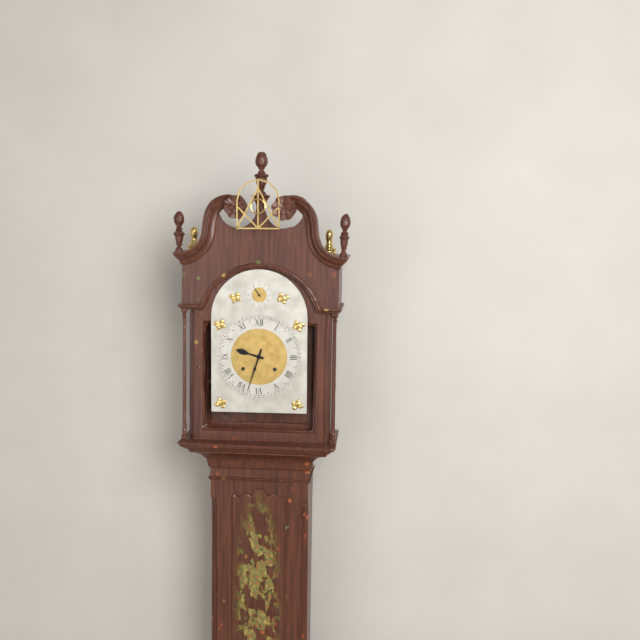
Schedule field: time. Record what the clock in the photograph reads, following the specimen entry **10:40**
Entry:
**9:33**
